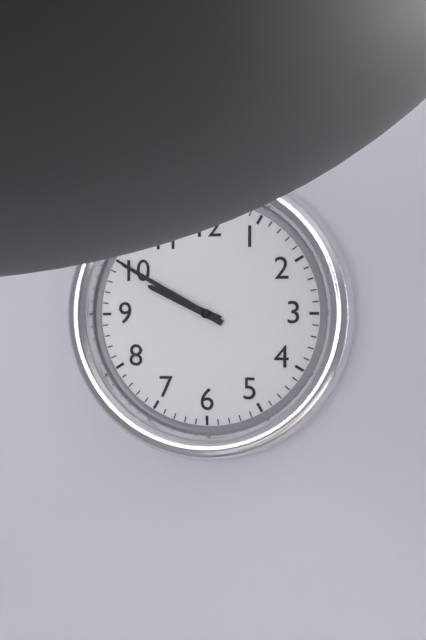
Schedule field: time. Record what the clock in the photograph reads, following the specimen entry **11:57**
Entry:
**9:50**
